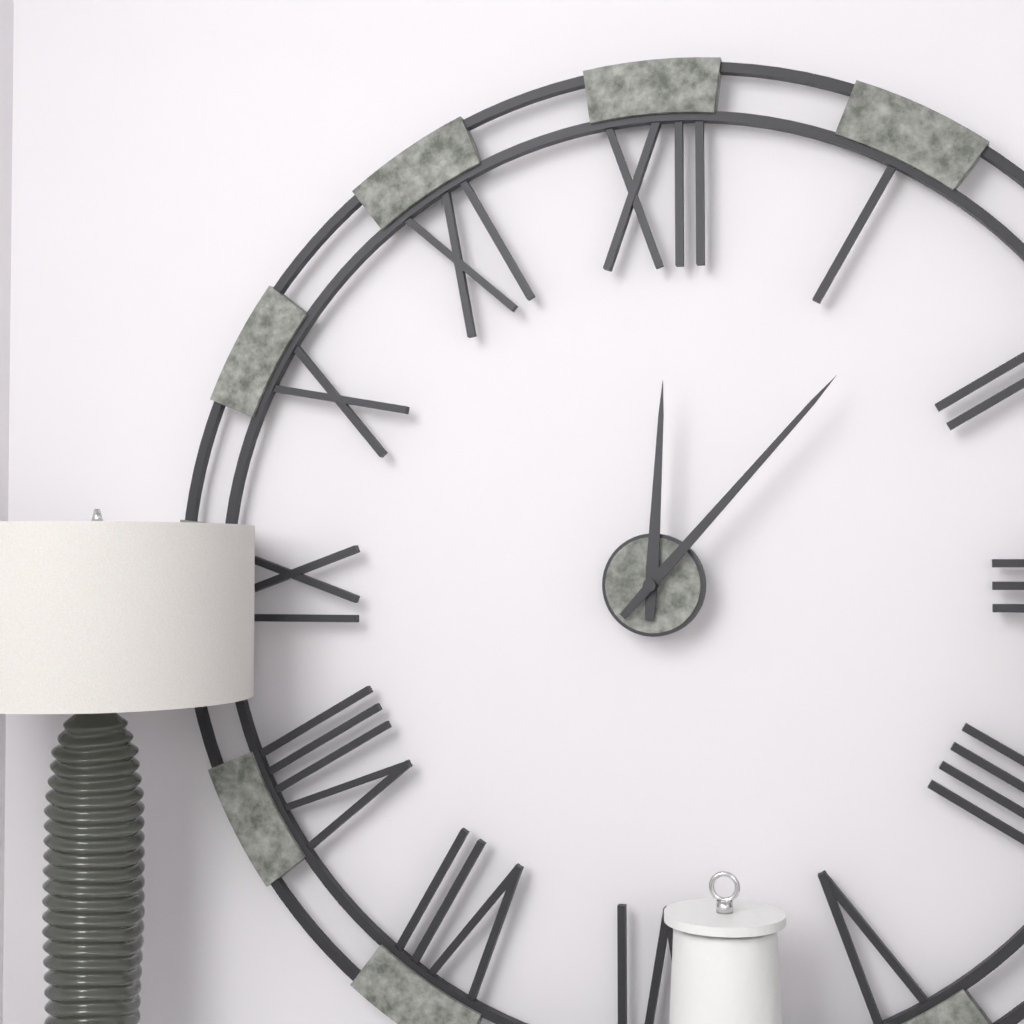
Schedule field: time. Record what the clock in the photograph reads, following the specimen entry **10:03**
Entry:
**12:07**
